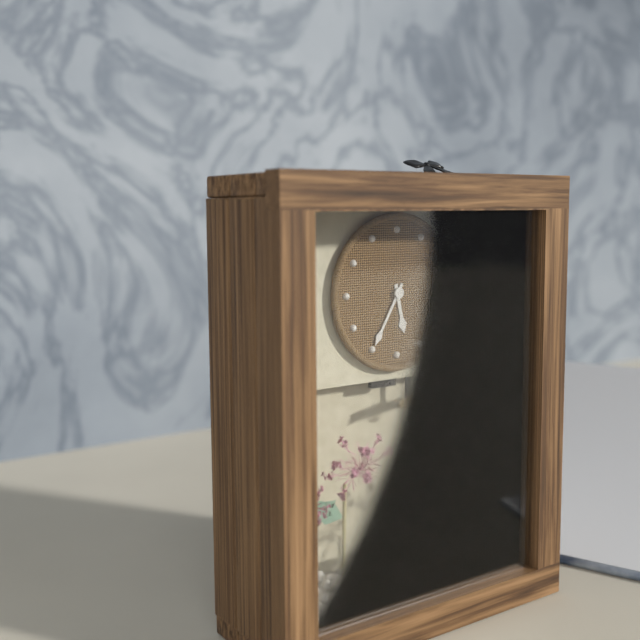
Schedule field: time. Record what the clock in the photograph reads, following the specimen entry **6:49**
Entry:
**5:35**
